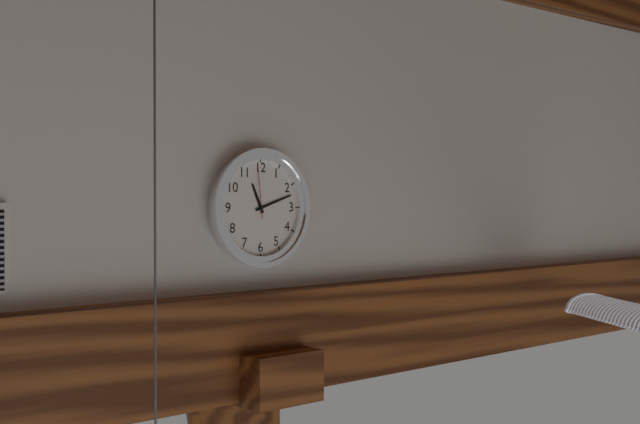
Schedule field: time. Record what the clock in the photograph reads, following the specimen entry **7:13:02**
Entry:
**11:12:59**
